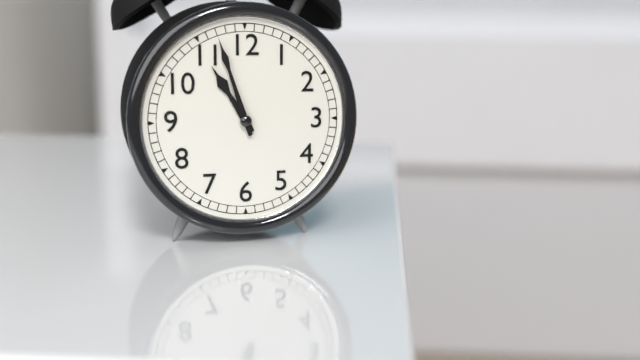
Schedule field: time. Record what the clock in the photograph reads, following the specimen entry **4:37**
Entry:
**10:57**
